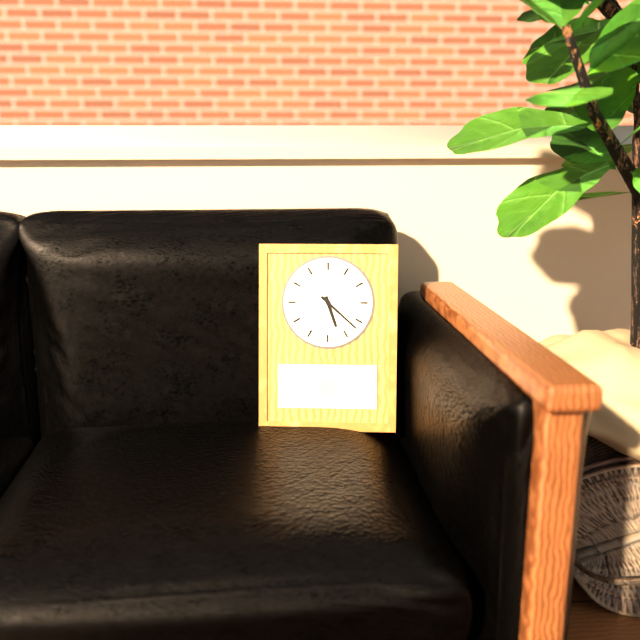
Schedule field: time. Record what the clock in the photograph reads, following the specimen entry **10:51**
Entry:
**5:22**
